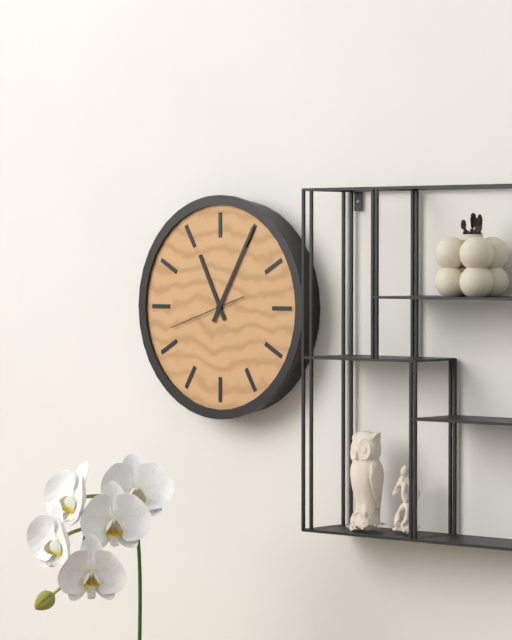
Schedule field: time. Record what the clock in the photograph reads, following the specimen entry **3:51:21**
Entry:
**11:05:42**
